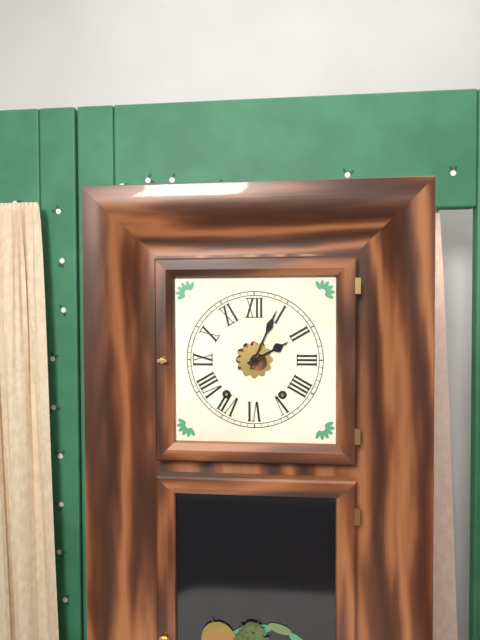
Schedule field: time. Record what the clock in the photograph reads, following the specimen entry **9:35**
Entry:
**2:04**
